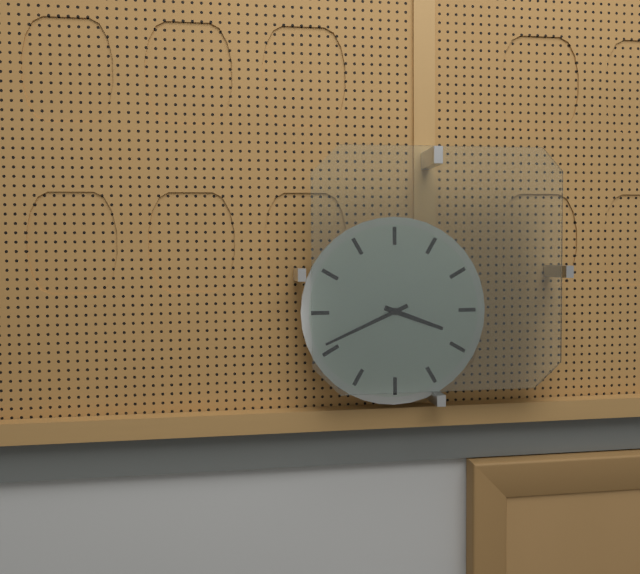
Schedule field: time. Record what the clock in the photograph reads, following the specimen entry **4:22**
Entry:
**3:41**
